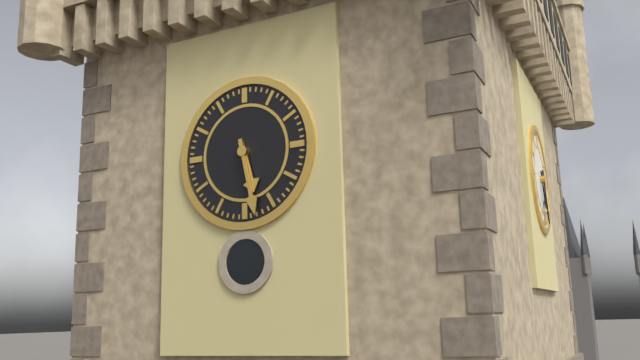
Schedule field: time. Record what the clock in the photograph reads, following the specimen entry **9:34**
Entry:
**5:28**
